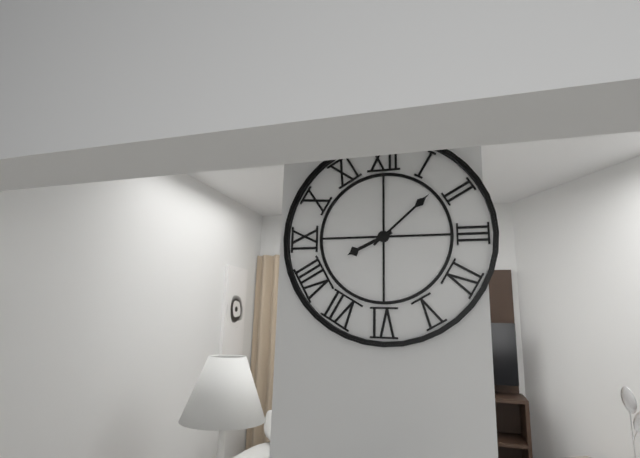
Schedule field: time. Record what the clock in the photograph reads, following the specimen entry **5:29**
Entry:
**8:08**
